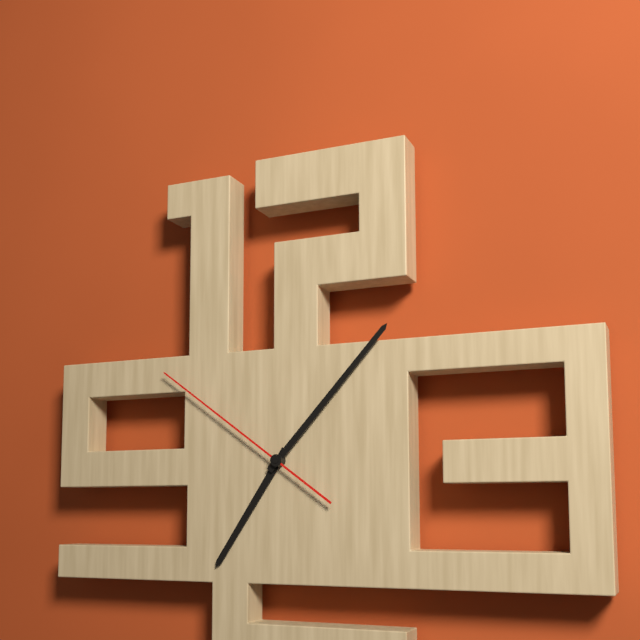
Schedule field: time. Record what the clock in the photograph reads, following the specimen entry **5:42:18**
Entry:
**7:07:51**
